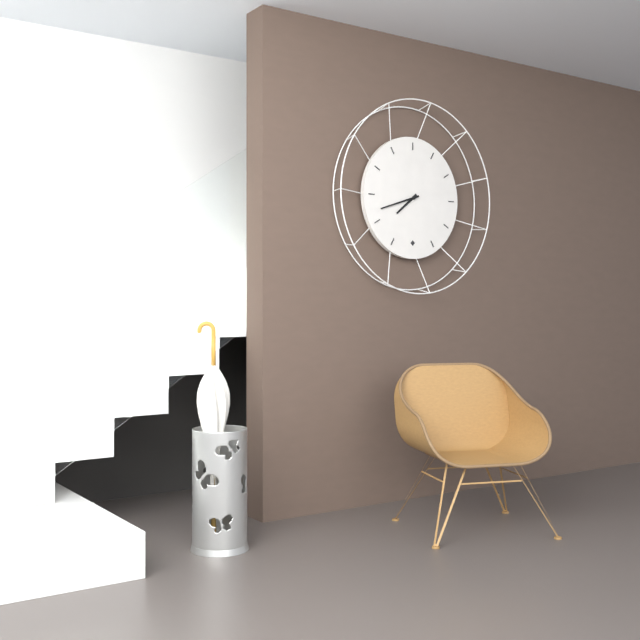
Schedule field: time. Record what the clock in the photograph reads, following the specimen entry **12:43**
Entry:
**7:42**
